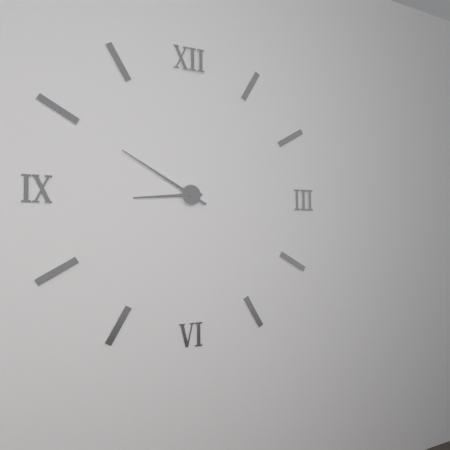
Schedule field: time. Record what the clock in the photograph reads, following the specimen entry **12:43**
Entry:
**8:50**
